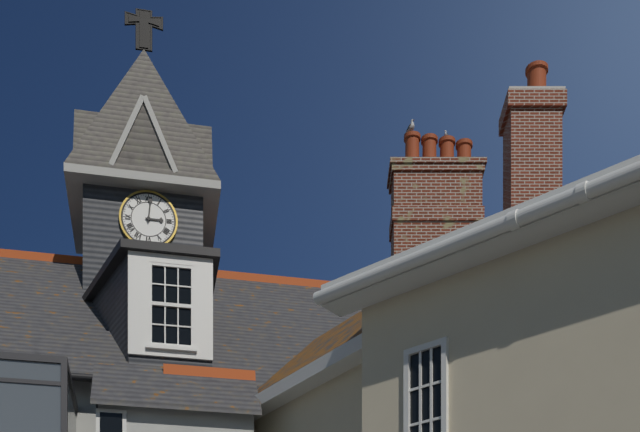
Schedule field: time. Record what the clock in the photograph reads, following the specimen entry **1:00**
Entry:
**3:01**
